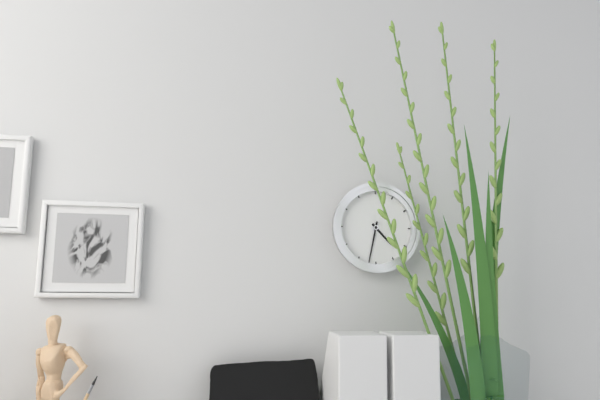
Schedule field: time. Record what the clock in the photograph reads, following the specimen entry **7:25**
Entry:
**4:32**
